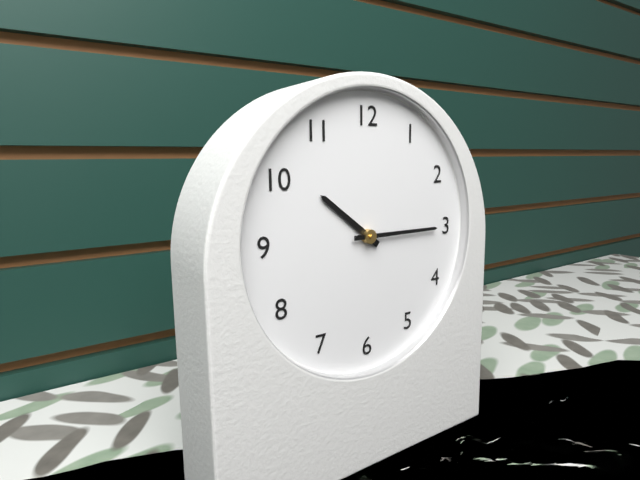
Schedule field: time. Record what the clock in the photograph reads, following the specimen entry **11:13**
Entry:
**10:15**
